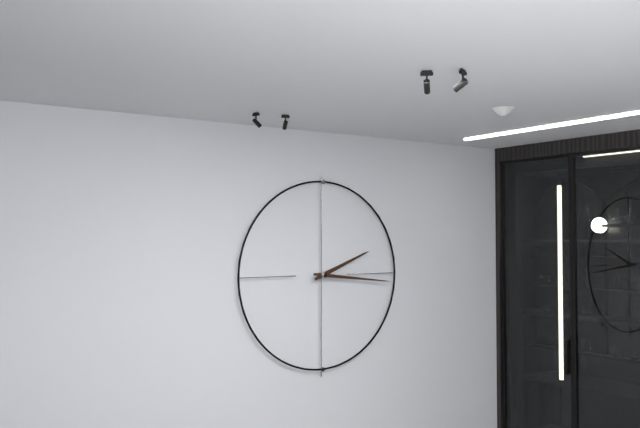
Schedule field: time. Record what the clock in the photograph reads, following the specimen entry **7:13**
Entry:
**2:16**
